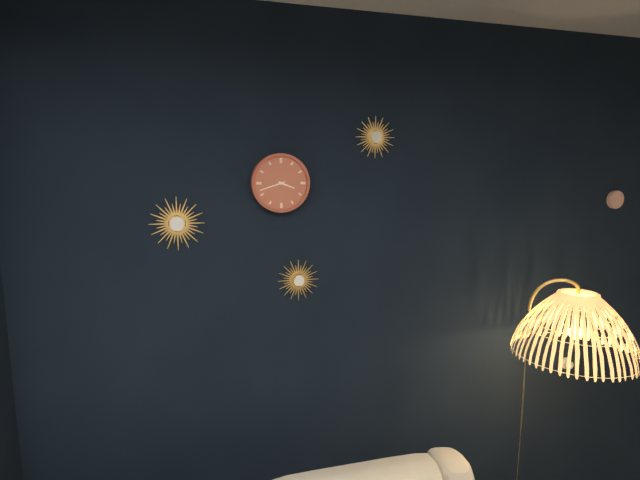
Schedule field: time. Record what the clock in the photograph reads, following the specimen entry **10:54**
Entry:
**3:42**
